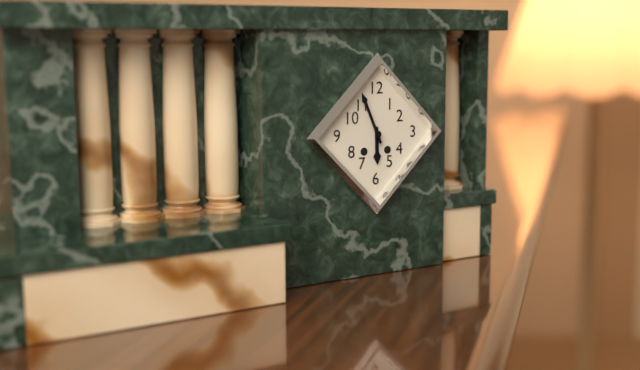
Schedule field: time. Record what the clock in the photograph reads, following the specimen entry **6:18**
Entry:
**5:56**
